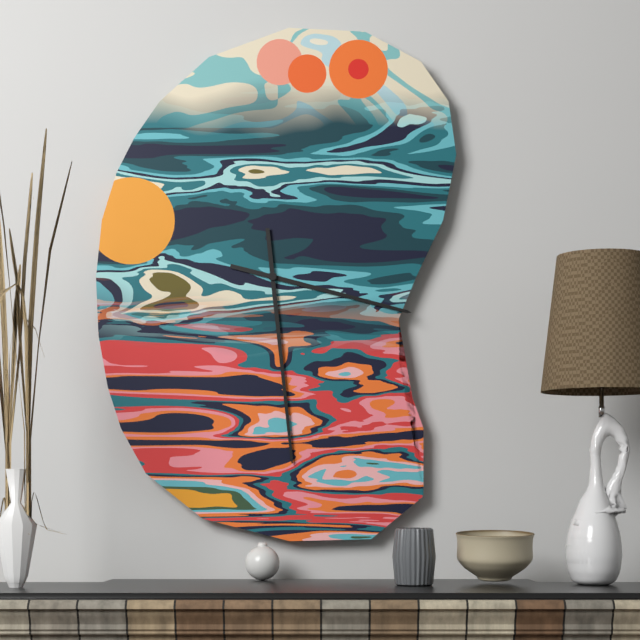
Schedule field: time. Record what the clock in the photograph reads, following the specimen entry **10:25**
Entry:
**3:29**
